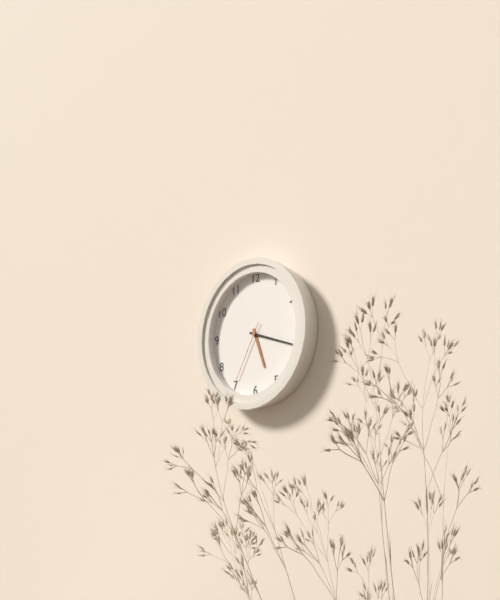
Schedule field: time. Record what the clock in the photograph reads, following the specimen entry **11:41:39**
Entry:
**5:18:35**
